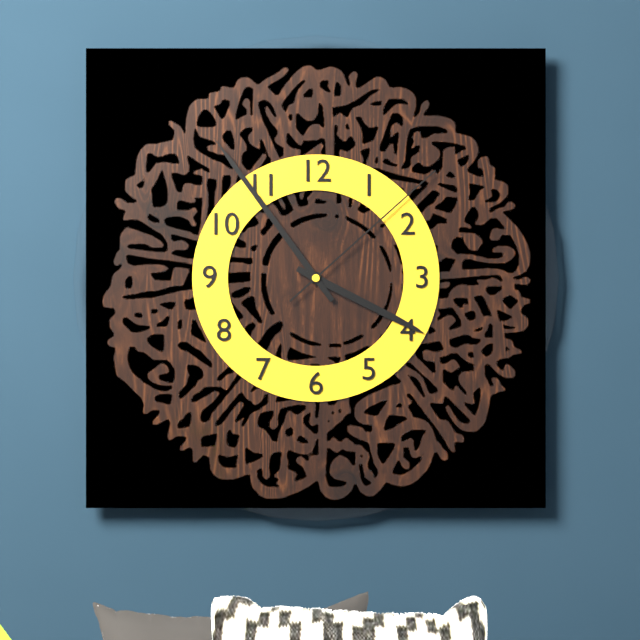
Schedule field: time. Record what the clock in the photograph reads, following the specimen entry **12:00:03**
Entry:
**3:54:08**
